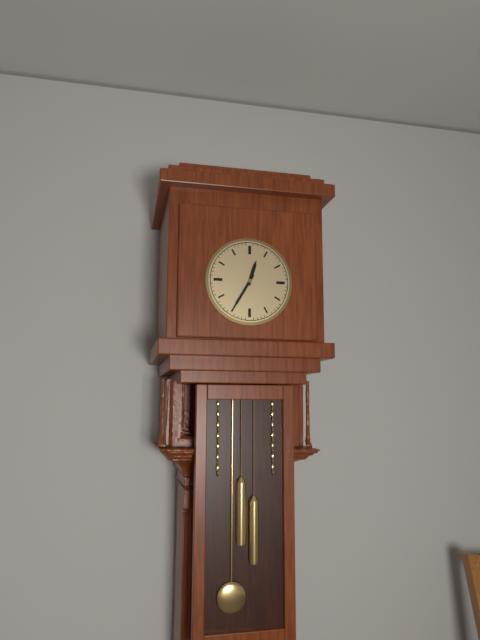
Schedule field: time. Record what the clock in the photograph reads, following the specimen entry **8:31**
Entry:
**12:35**
